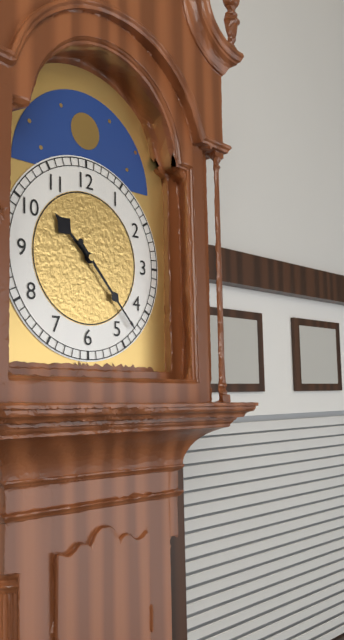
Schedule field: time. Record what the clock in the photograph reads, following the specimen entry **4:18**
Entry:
**10:23**
